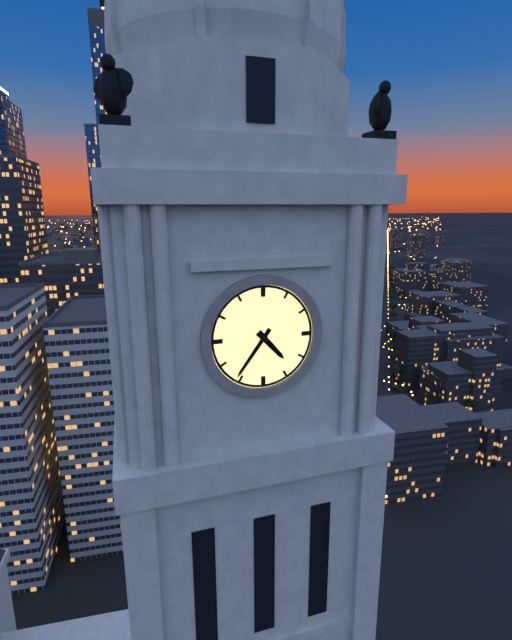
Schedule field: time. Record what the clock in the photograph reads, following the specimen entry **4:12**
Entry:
**4:36**
